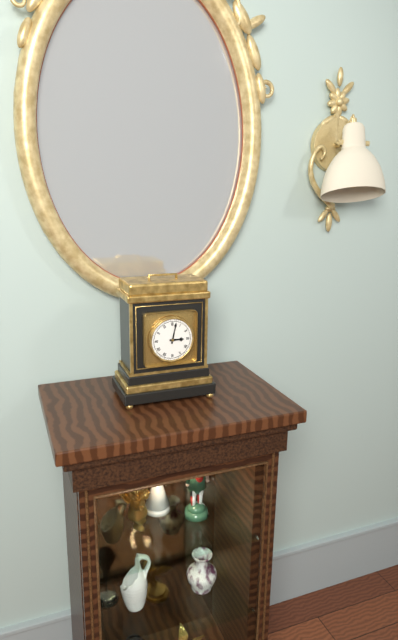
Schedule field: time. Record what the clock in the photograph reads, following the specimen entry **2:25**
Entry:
**3:02**
